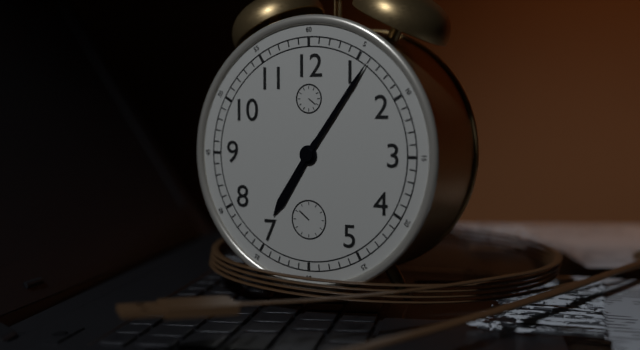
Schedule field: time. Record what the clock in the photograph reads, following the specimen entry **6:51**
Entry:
**7:06**
